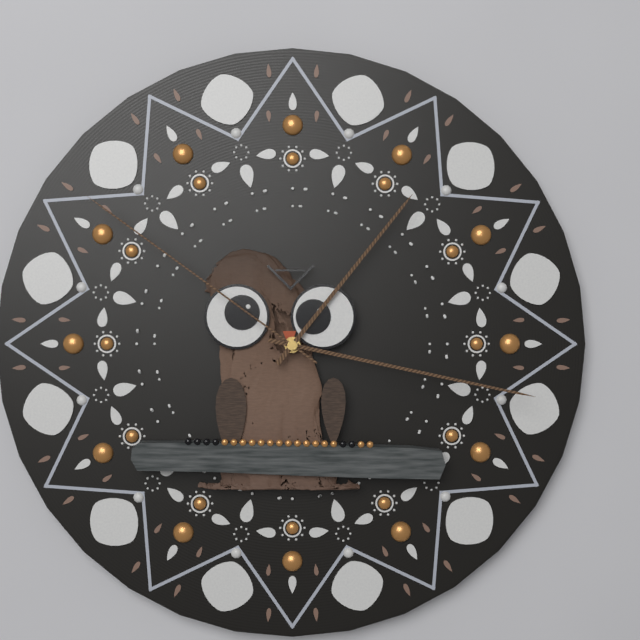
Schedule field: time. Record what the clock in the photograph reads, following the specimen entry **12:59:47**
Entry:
**1:17:51**
